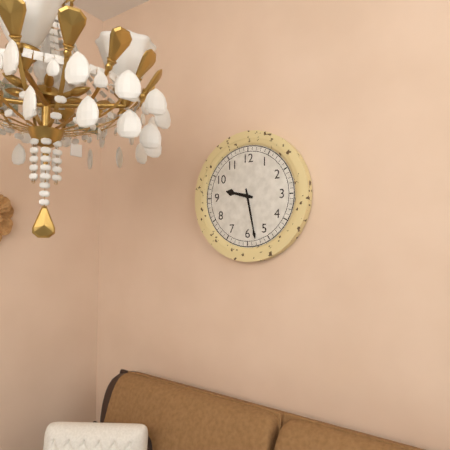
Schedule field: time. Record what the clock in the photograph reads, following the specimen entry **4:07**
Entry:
**9:28**
